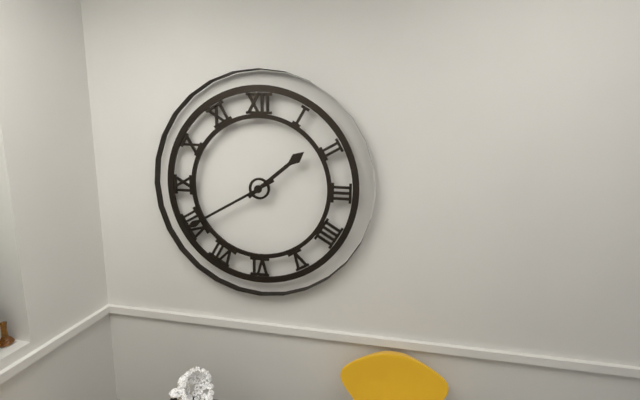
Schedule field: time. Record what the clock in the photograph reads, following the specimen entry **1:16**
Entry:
**1:40**
